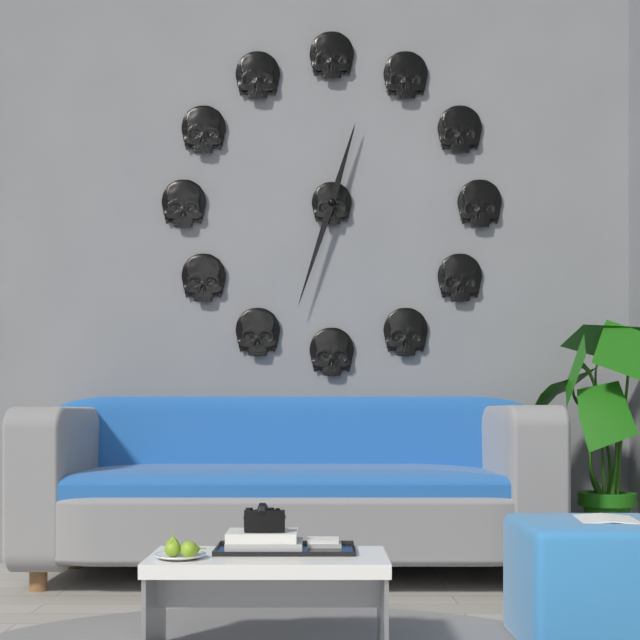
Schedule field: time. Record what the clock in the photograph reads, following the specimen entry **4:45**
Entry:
**12:33**
